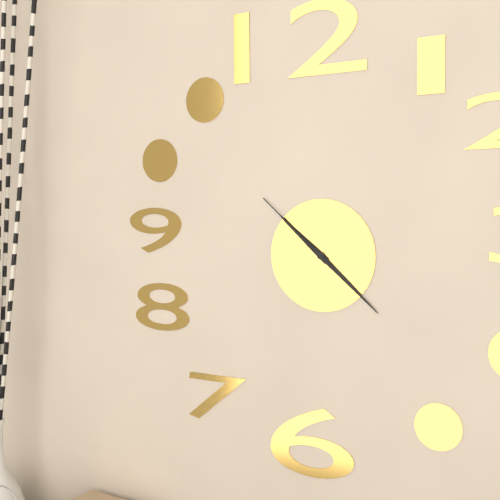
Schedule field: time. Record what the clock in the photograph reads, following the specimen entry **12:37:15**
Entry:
**10:22:52**
